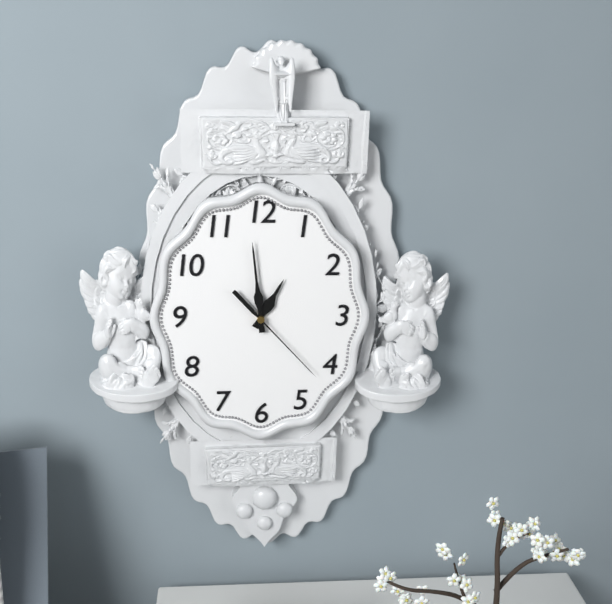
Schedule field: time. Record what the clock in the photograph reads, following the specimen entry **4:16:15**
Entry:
**12:59:23**
